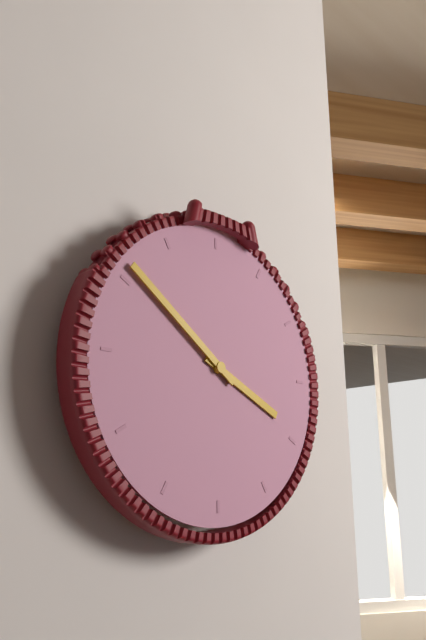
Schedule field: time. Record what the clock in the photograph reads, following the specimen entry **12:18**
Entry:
**3:51**
